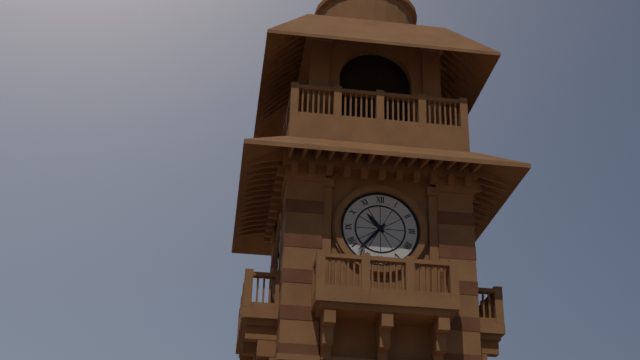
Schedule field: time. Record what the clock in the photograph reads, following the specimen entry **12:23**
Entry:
**10:37**
